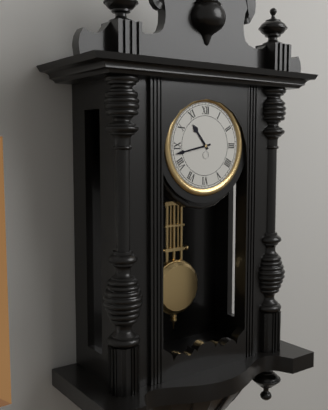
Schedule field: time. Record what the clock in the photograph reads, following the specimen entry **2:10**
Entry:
**10:43**
